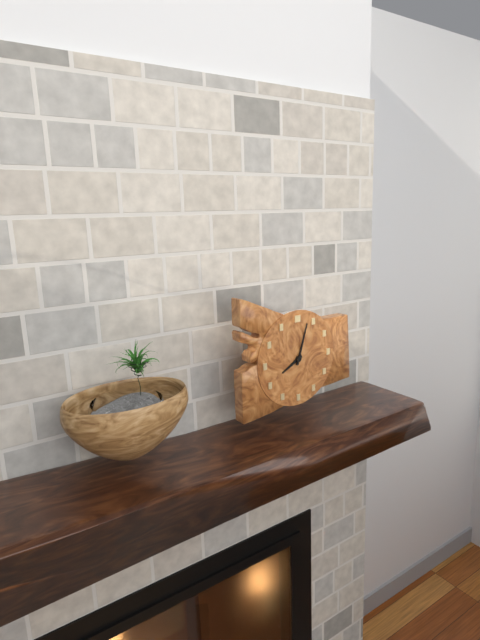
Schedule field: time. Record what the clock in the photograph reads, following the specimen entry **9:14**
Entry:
**8:03**
